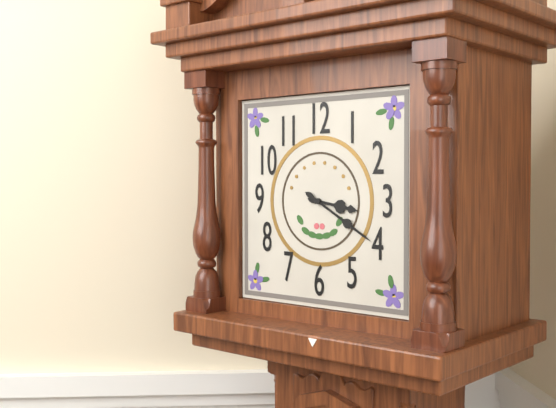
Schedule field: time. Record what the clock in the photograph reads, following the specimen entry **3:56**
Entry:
**3:20**
